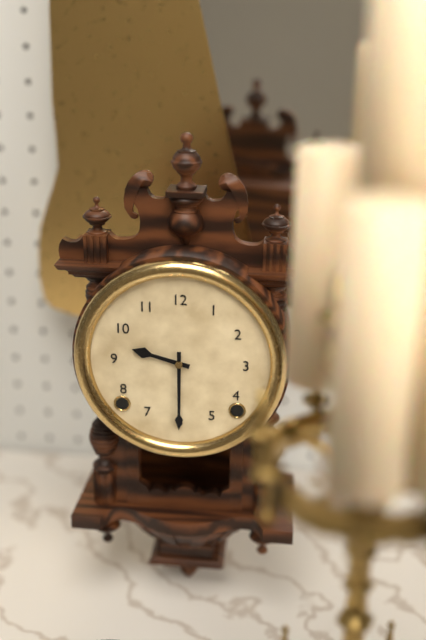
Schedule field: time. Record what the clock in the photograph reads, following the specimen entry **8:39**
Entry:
**9:30**
